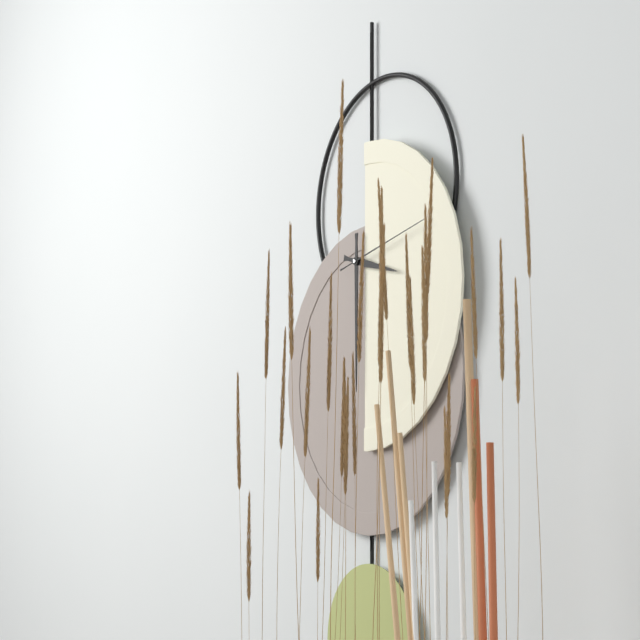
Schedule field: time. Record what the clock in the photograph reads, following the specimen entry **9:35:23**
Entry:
**3:30:13**
